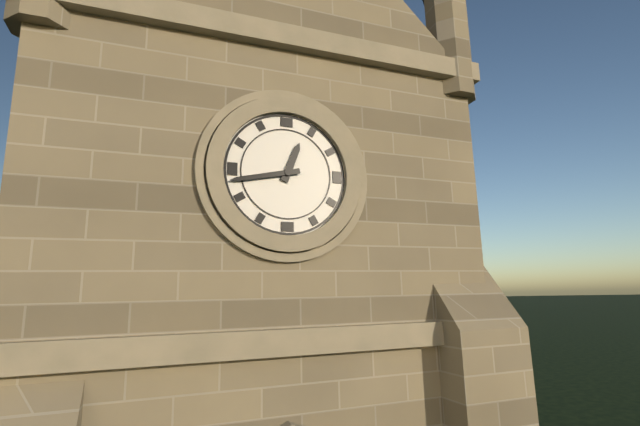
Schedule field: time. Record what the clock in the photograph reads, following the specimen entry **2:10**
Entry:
**12:43**
